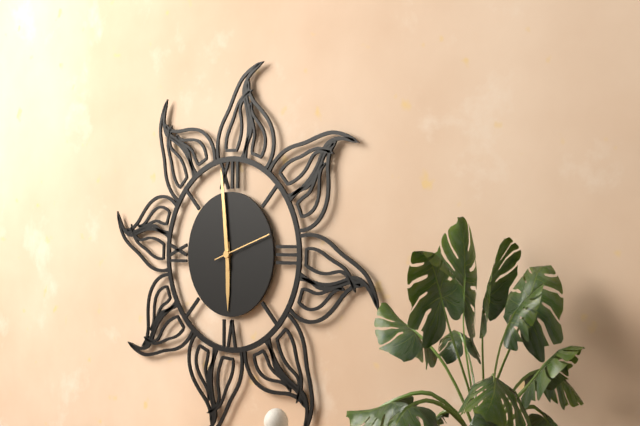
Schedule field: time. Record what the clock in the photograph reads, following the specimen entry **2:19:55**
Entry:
**5:59:12**
